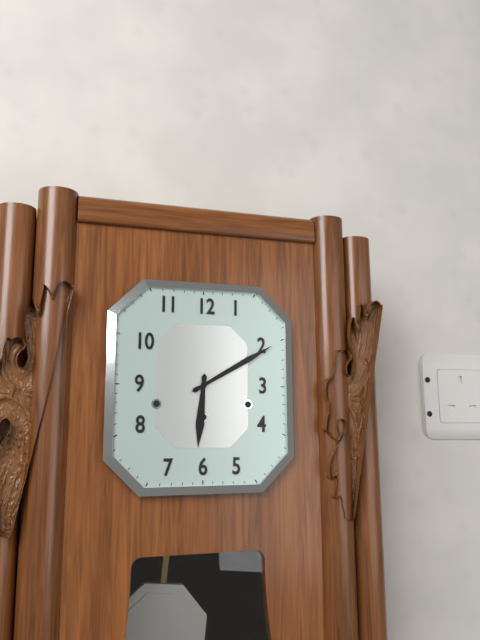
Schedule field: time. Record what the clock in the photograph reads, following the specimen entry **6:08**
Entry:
**6:10**
